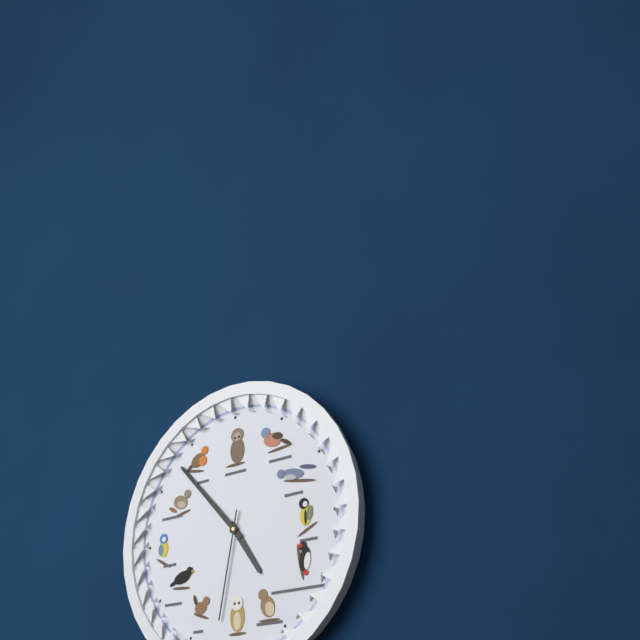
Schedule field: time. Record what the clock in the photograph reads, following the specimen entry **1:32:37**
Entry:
**4:53:32**
